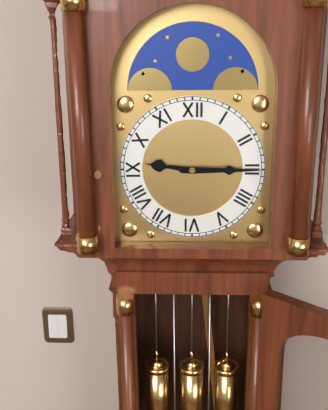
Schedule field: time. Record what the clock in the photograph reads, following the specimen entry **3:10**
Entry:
**9:15**
